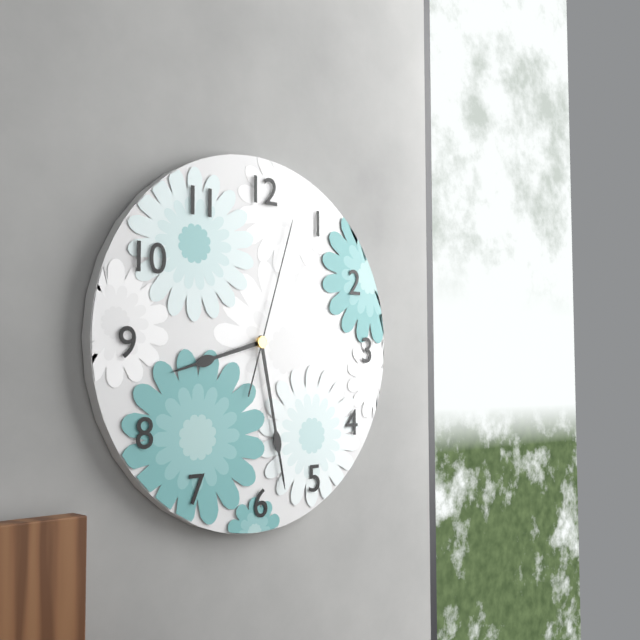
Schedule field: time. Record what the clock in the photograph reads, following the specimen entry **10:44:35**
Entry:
**8:28:03**
